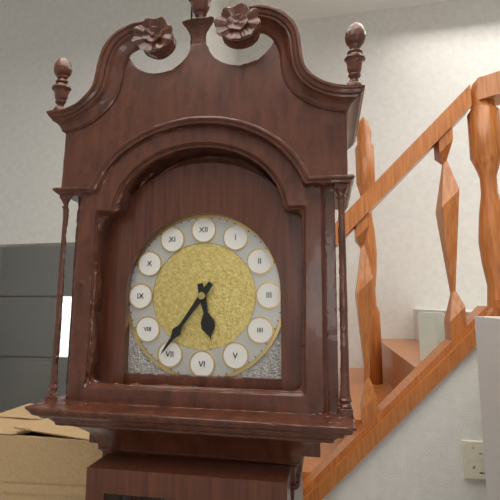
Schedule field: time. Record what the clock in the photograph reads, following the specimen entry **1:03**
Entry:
**5:36**
